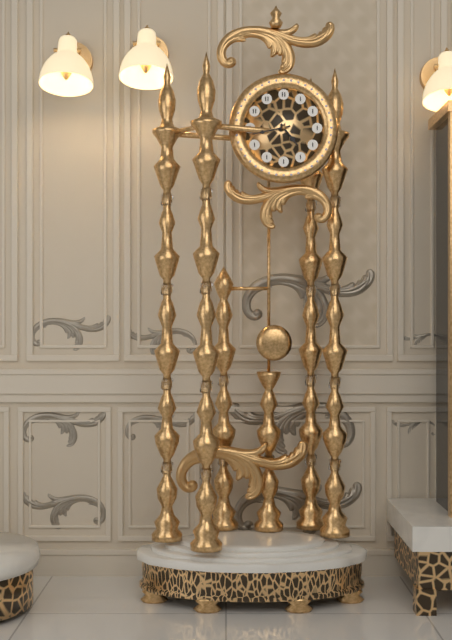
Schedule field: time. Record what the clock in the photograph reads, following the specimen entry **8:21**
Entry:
**4:43**
